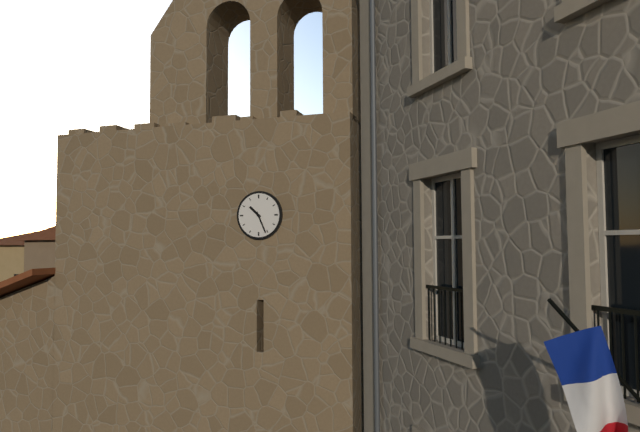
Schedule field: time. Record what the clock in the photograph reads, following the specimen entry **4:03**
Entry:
**10:26**
